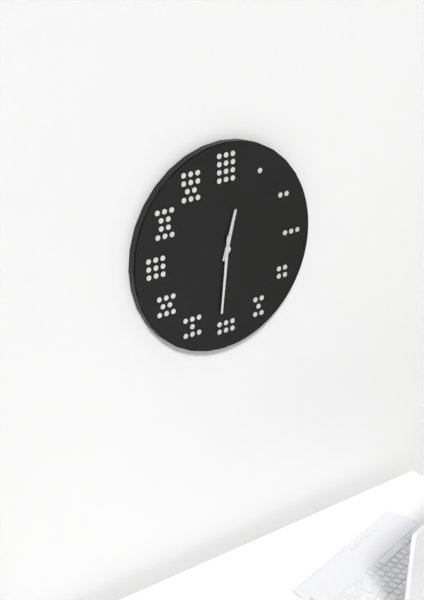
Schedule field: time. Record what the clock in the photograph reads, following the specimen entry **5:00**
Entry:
**12:31**
